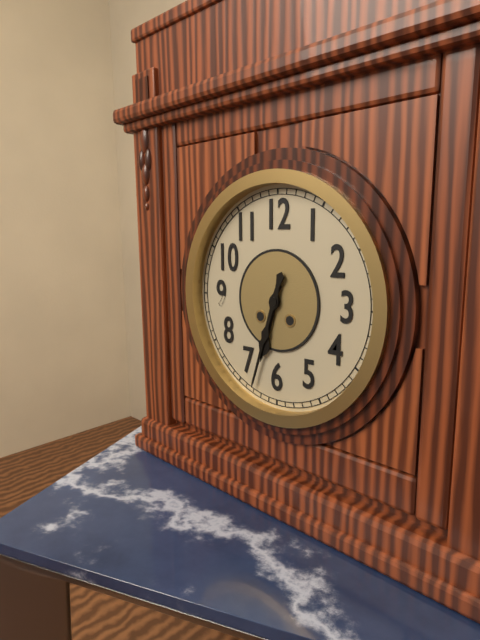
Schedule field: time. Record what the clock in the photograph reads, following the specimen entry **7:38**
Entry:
**6:33**
